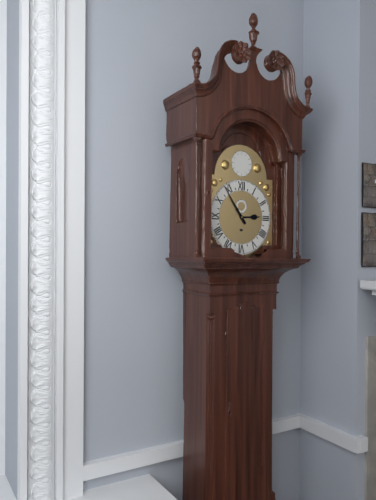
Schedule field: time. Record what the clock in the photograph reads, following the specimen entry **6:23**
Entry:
**2:54**
